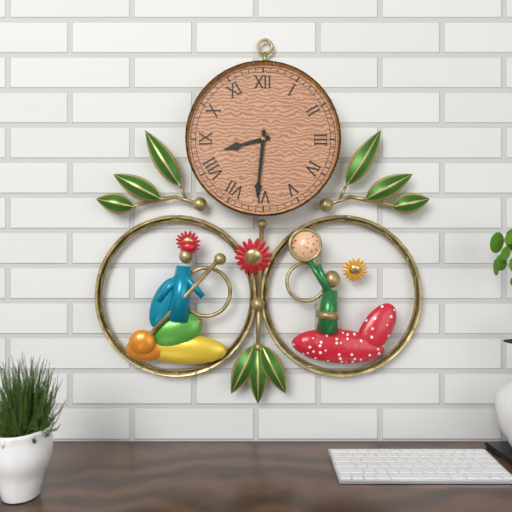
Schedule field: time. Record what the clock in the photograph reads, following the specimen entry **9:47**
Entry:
**8:31**
